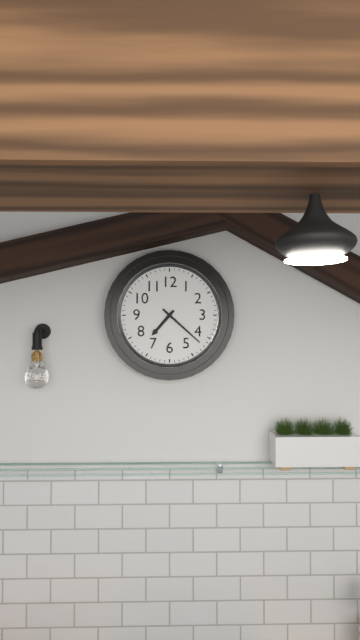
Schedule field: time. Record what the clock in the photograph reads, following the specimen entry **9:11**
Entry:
**7:22**
